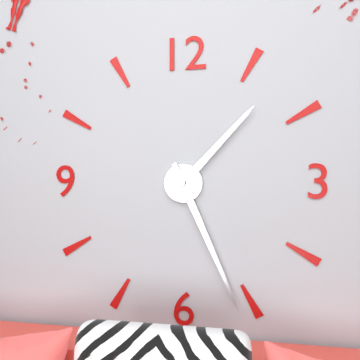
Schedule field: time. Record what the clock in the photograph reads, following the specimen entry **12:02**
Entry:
**1:26**
